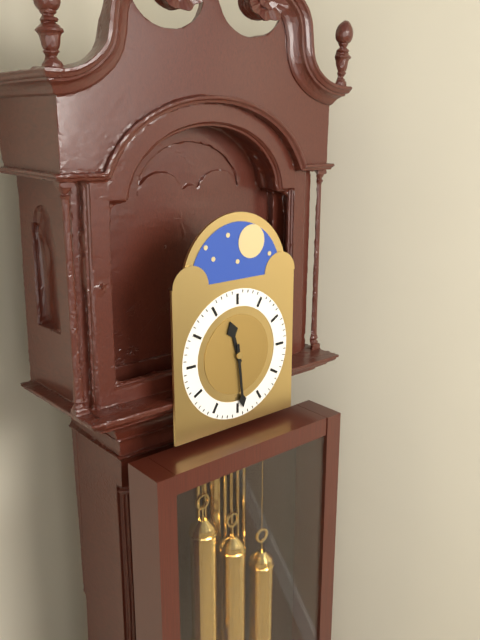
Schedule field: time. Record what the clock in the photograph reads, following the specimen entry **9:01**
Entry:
**11:29**
